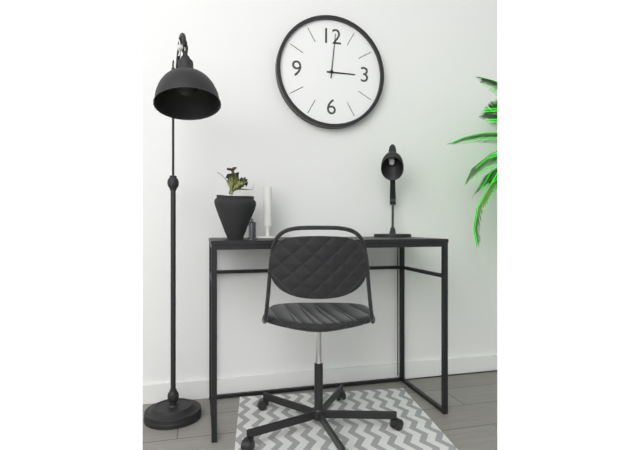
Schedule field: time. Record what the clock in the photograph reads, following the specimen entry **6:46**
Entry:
**3:01**
